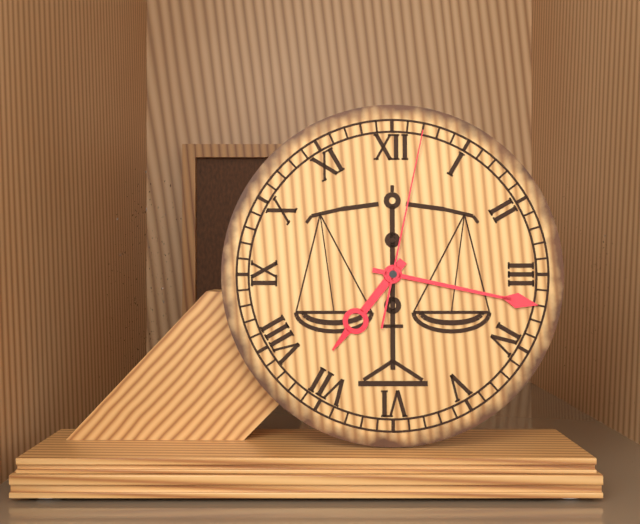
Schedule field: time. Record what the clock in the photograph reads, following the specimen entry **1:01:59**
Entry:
**7:17:02**
